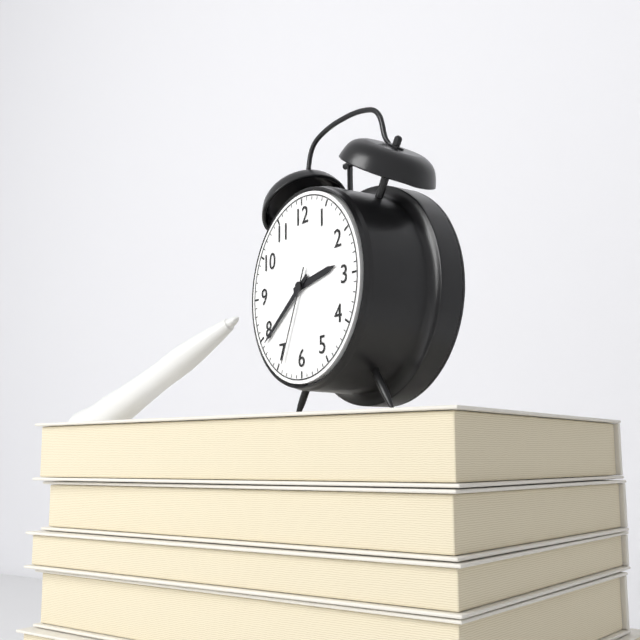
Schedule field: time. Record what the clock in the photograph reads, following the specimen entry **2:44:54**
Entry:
**2:39:34**
